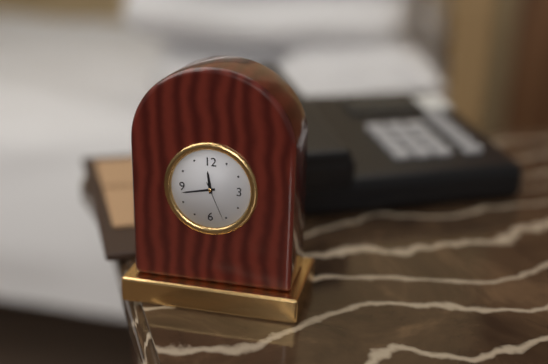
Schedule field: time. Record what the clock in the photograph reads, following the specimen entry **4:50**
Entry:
**11:43**
